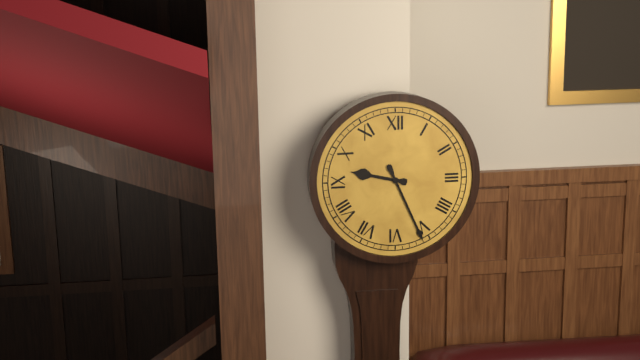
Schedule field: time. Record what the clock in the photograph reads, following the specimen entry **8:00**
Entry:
**9:26**
